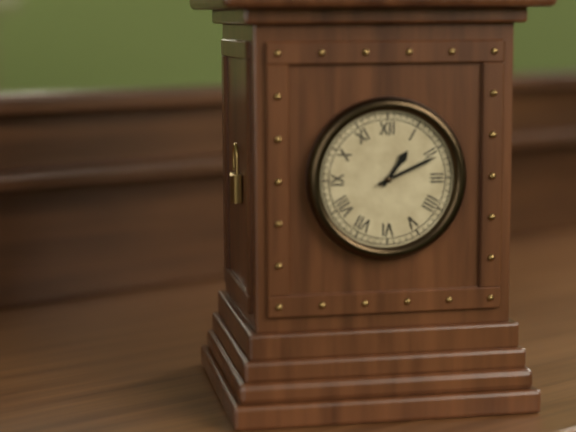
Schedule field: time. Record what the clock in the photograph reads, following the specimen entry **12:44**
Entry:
**1:11**
